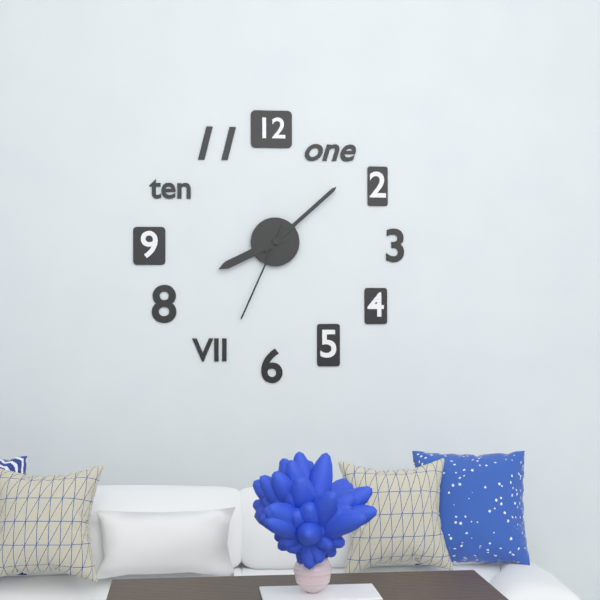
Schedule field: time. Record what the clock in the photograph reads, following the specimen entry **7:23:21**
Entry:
**8:08:34**
